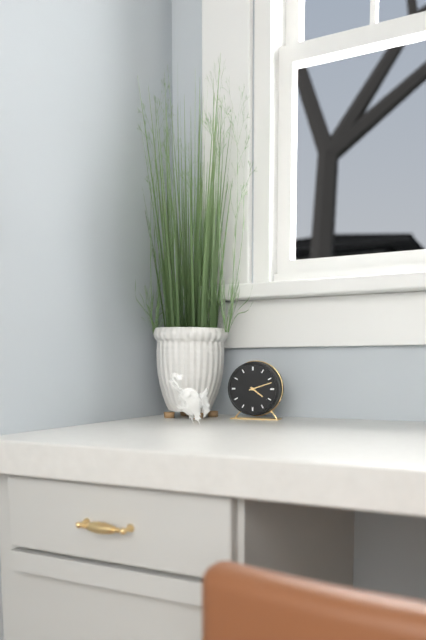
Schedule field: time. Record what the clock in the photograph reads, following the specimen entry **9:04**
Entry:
**4:12**
